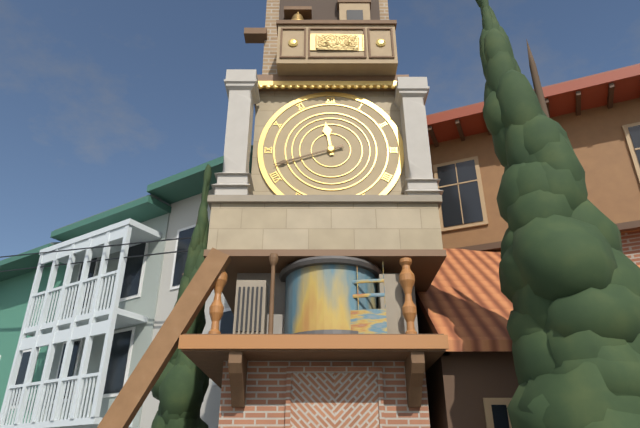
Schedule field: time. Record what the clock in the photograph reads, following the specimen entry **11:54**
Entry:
**11:42**
